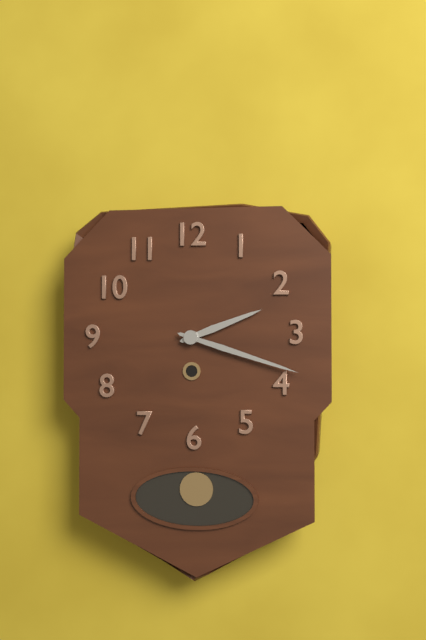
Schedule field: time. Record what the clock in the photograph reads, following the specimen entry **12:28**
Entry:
**2:18**
